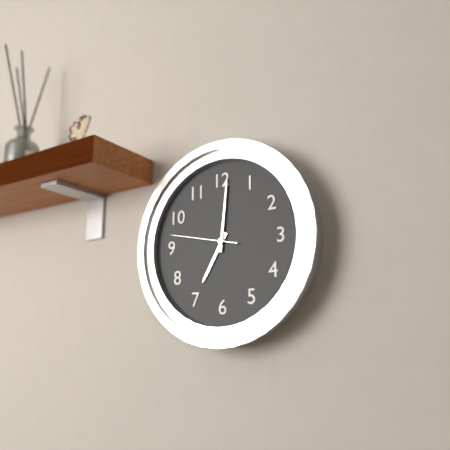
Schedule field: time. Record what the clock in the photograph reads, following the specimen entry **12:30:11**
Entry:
**7:01:47**
